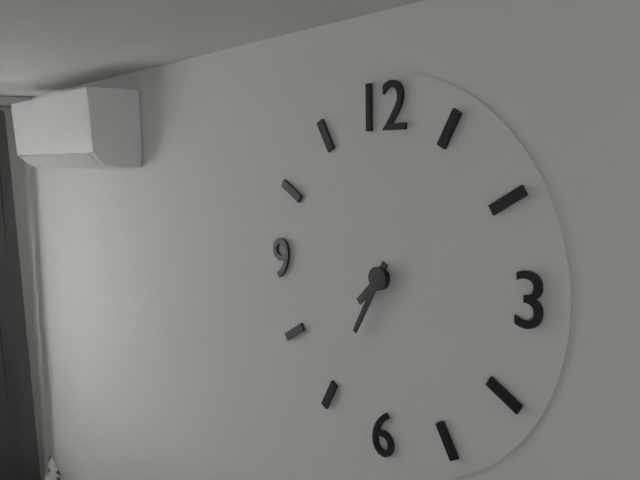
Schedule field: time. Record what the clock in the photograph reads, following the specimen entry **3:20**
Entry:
**7:35**
